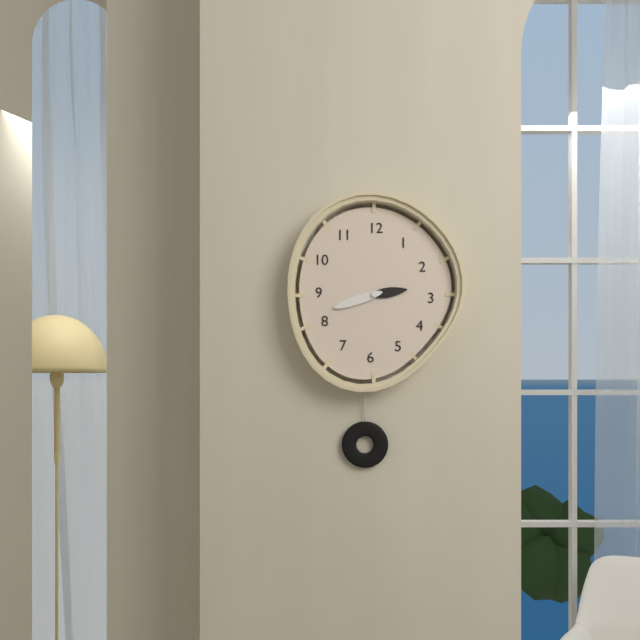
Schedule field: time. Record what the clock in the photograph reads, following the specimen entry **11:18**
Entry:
**2:42**
